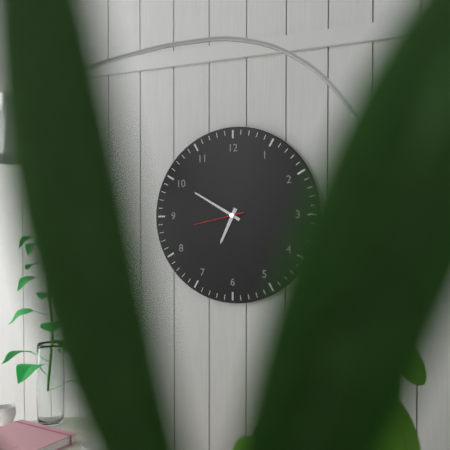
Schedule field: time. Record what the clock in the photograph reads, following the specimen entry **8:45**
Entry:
**6:50**
